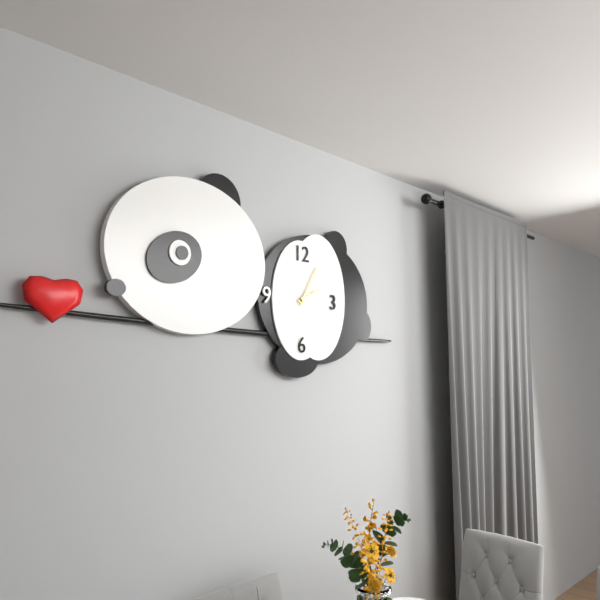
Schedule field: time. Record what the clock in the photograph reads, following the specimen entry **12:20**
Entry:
**2:05**
